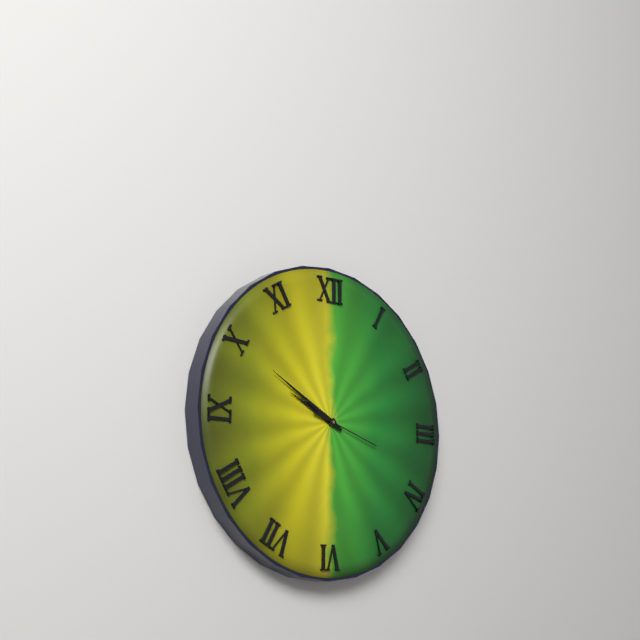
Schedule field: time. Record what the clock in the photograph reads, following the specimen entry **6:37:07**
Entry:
**9:50:18**
